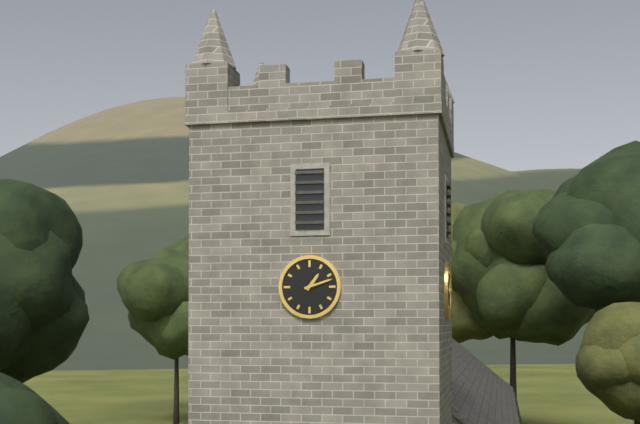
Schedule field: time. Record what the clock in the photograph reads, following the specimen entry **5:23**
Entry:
**1:12**
